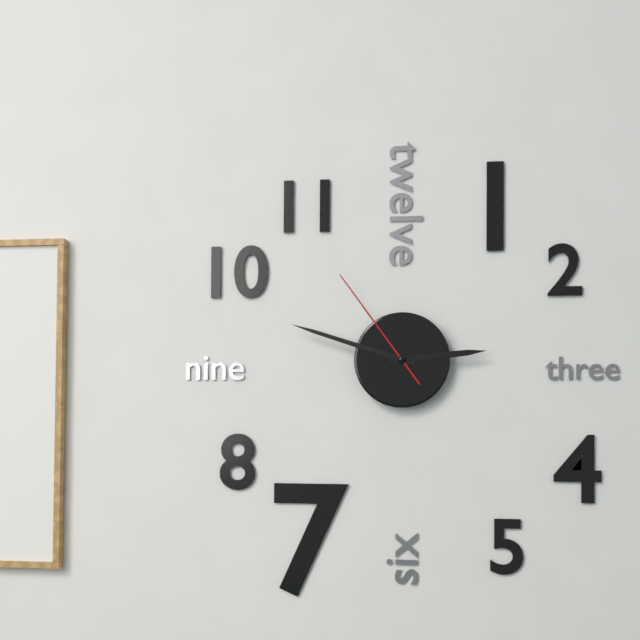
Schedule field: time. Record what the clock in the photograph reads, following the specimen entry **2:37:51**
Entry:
**2:48:54**
